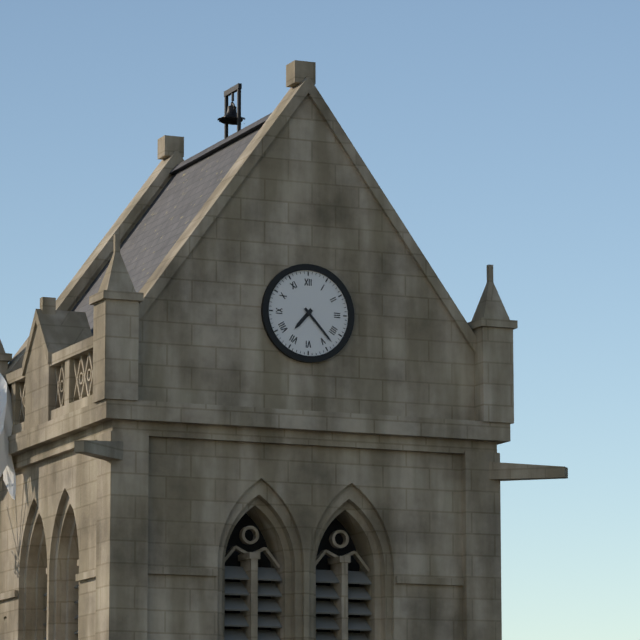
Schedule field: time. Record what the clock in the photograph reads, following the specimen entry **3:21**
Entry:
**7:23**
